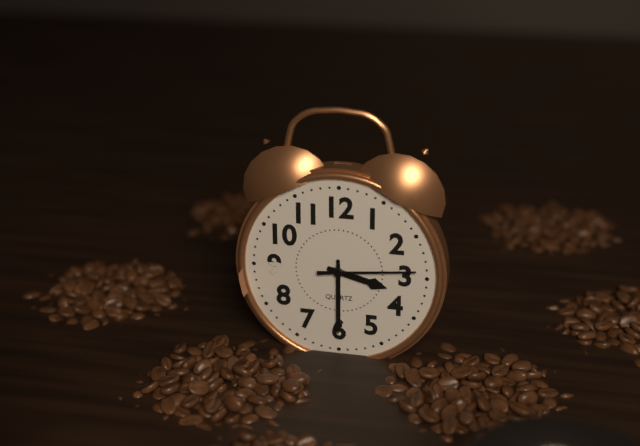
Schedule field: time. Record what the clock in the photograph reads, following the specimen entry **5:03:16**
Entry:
**3:30:14**
